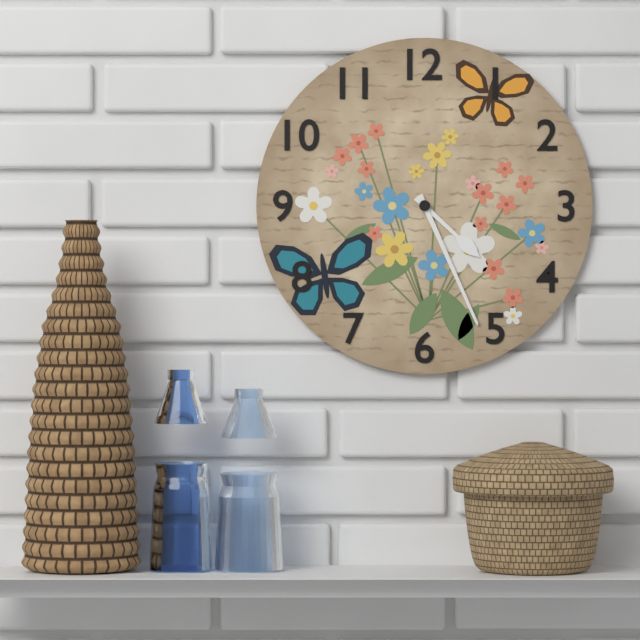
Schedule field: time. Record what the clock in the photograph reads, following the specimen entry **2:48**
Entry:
**4:26**
